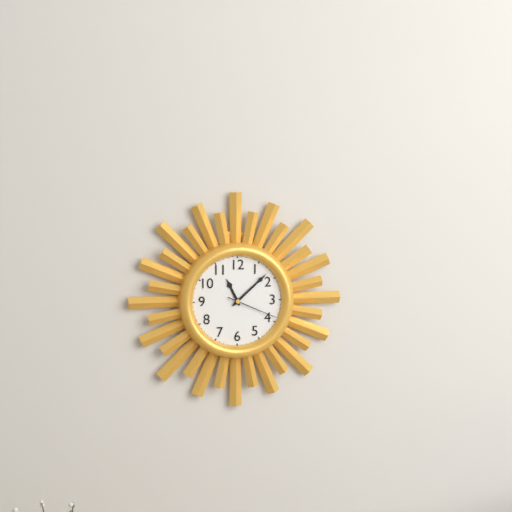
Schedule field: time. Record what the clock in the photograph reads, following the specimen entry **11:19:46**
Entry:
**11:08:19**
